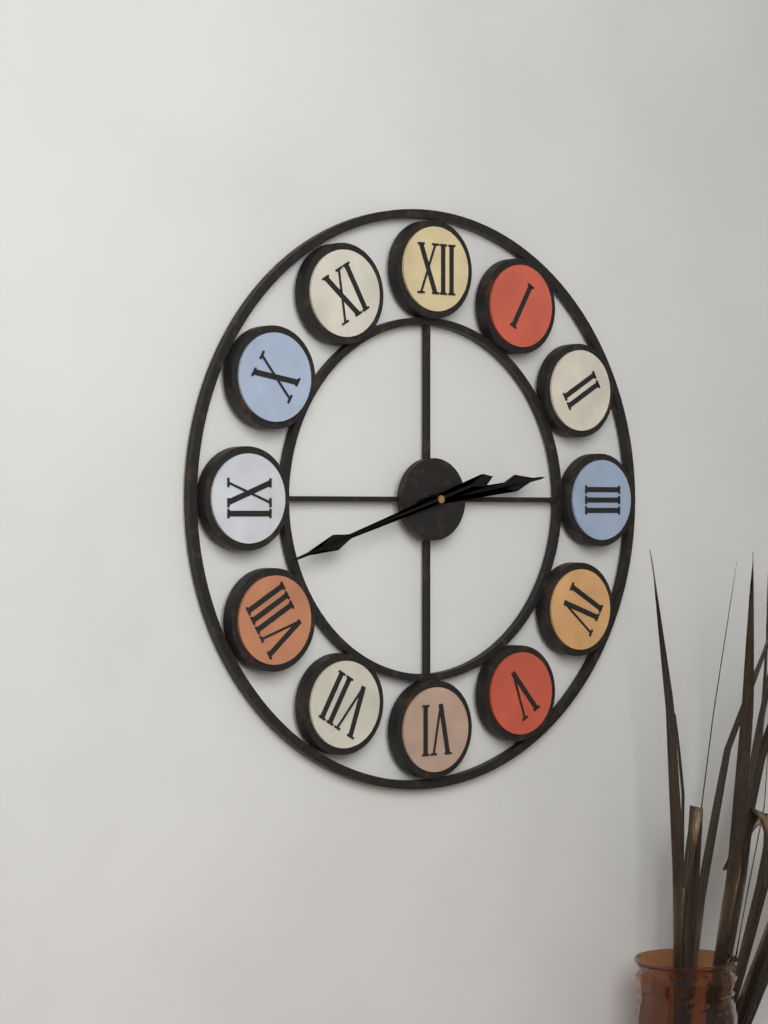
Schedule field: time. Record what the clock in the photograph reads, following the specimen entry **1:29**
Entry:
**2:42**
